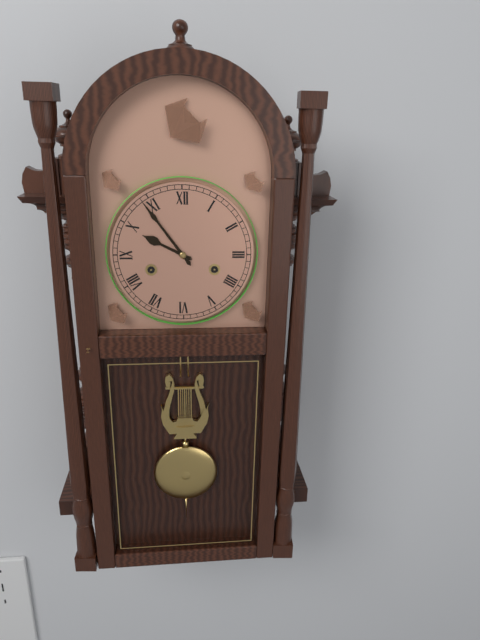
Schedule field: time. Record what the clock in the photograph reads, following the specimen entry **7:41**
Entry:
**9:54**
